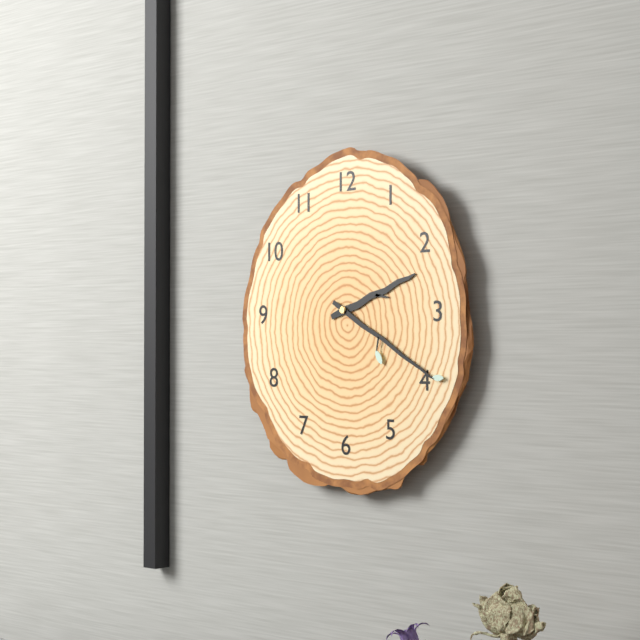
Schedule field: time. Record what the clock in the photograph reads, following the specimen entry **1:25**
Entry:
**2:20**
